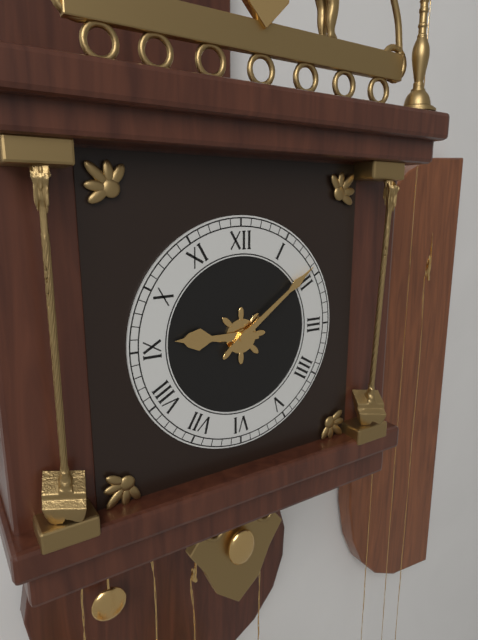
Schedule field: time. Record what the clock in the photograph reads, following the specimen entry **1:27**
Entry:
**9:09**
